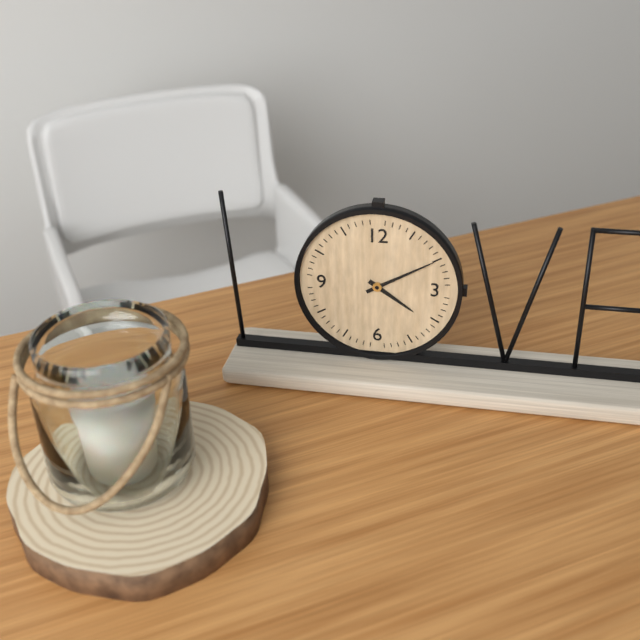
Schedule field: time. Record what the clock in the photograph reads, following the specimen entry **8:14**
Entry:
**4:10**
